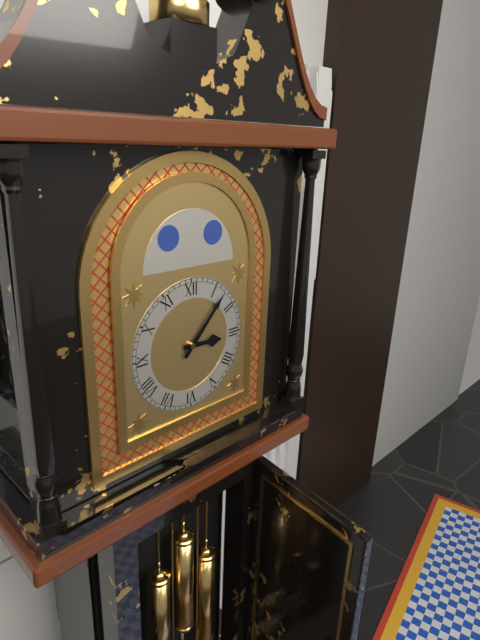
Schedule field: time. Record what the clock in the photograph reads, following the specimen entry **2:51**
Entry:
**3:07**
